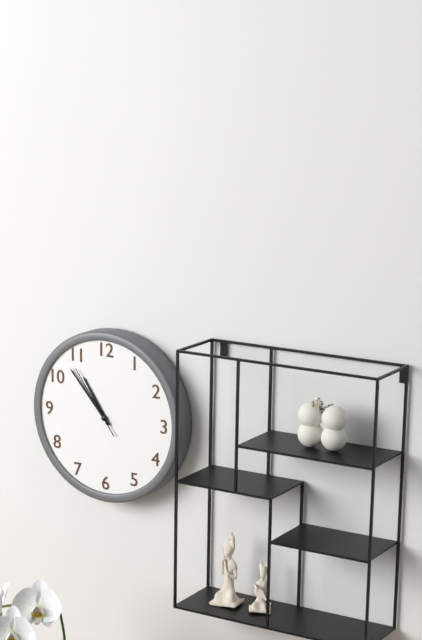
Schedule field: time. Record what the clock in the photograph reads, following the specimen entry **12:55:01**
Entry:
**10:53:54**
